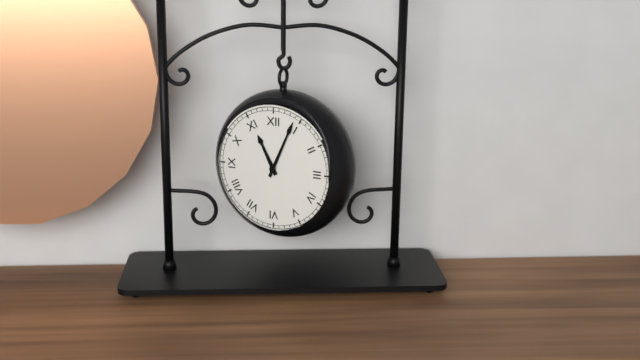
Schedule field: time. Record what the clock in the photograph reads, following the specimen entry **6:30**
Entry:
**11:04**
